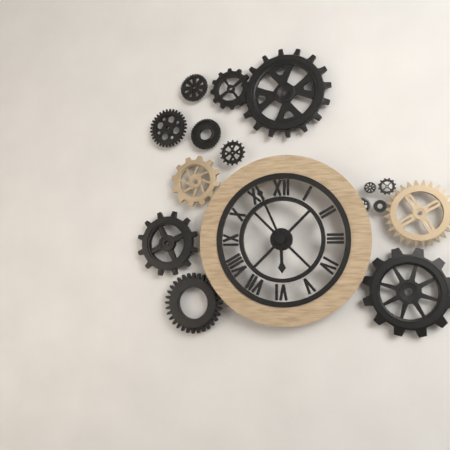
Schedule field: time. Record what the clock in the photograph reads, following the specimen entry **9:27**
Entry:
**5:56**
